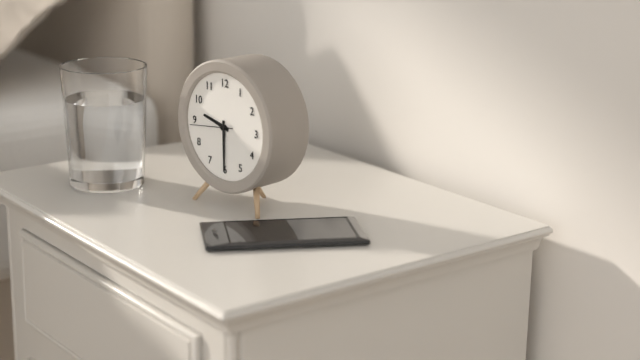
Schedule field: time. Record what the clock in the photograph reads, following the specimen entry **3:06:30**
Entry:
**9:30:44**
